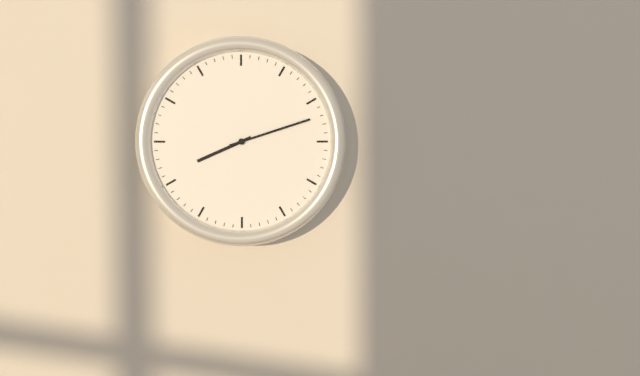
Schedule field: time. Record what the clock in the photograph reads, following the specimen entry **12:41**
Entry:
**8:12**
